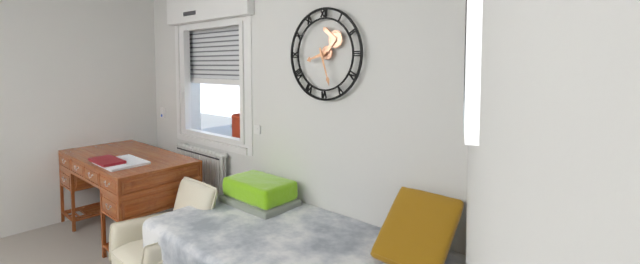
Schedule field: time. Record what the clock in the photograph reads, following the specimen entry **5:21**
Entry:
**8:27**
